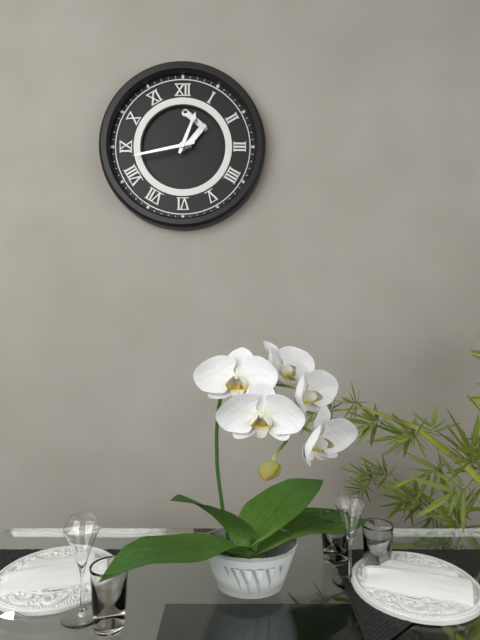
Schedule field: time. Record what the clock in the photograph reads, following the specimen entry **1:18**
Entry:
**12:43**
